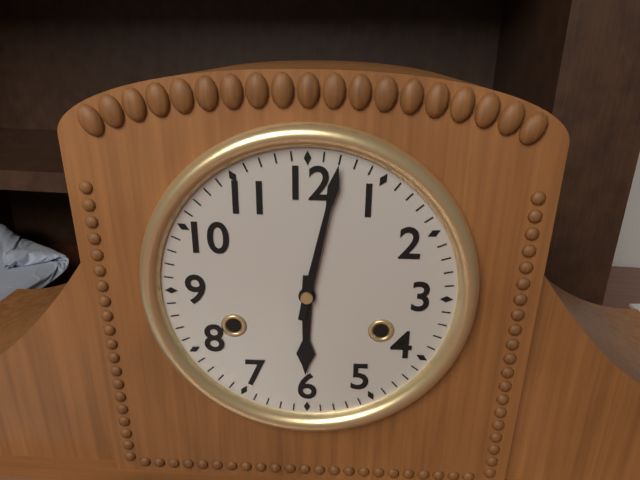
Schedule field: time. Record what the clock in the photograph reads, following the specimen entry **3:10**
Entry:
**6:02**
